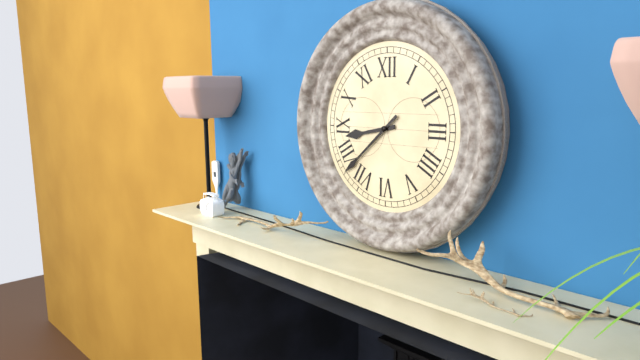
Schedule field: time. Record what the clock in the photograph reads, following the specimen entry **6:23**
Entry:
**8:38**
